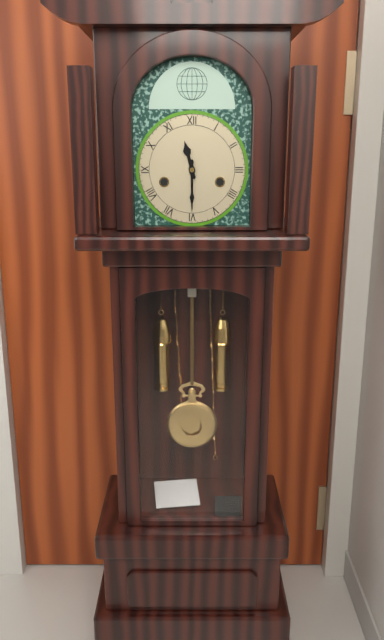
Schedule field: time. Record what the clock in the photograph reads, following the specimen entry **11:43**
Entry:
**11:30**
